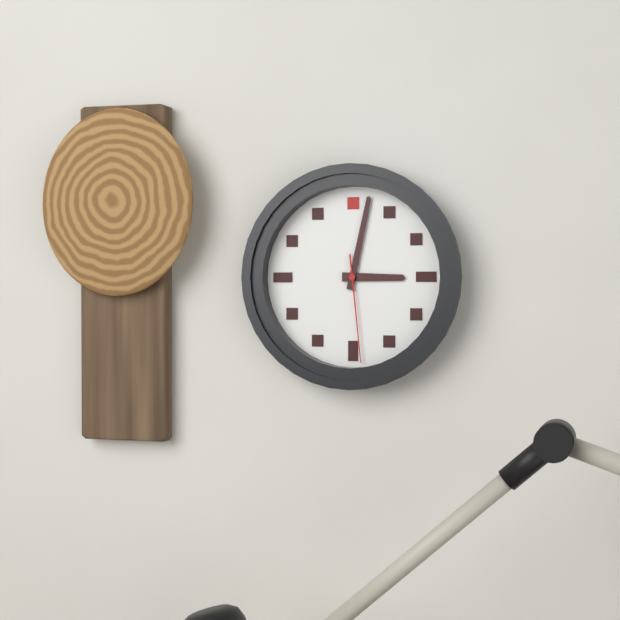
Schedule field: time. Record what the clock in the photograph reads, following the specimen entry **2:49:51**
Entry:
**3:02:29**
